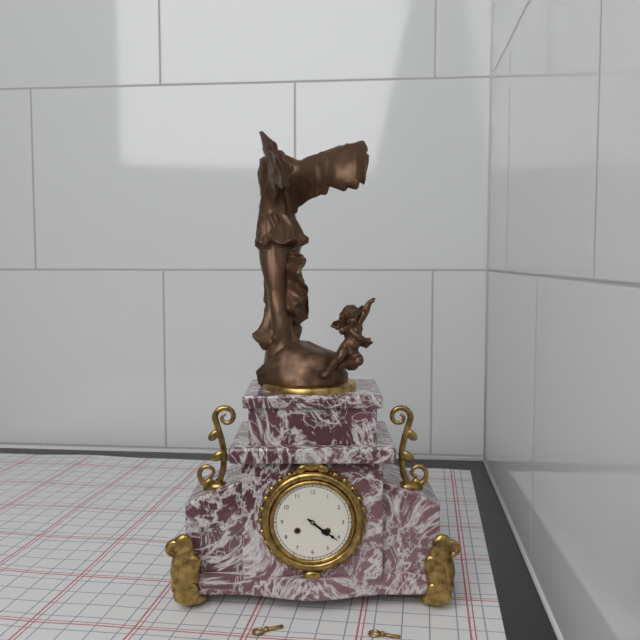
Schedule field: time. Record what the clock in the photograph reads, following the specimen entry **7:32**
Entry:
**4:21**
